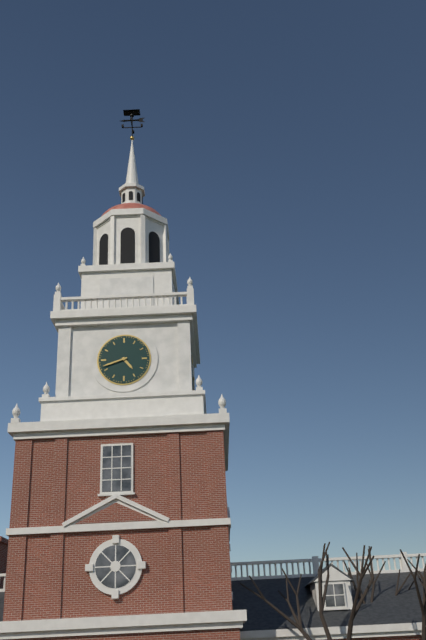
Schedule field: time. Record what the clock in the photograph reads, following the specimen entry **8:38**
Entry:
**4:42**
